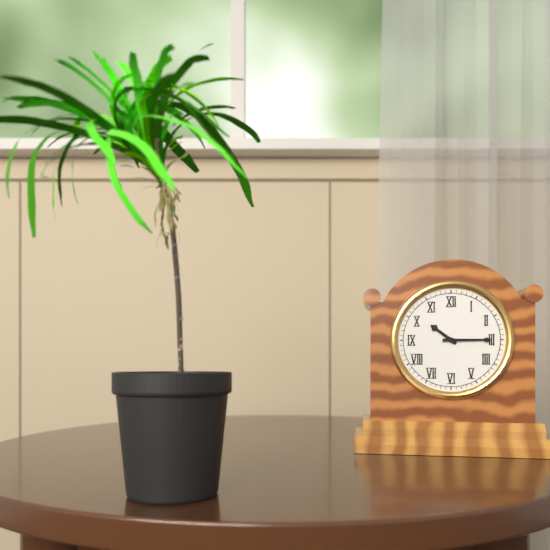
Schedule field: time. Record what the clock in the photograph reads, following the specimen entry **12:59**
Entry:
**10:15**
